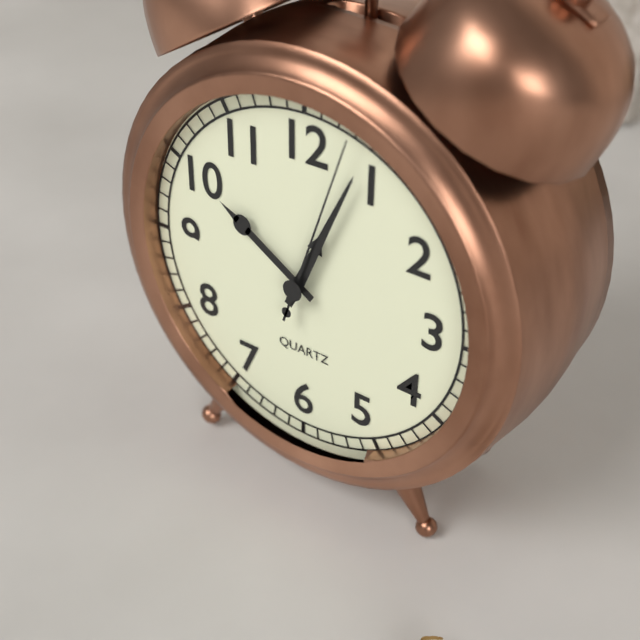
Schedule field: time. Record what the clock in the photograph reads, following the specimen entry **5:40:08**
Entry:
**10:04:03**
